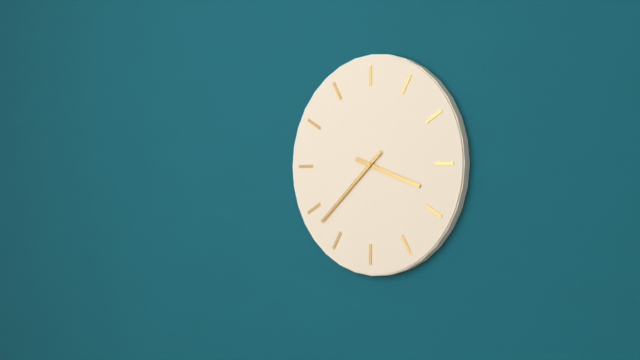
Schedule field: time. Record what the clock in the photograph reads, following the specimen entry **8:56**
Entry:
**3:38**
